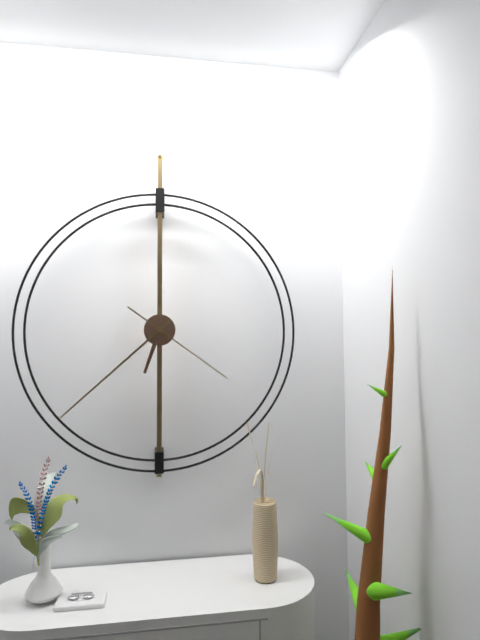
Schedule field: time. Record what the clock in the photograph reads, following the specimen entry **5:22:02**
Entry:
**6:38:21**
